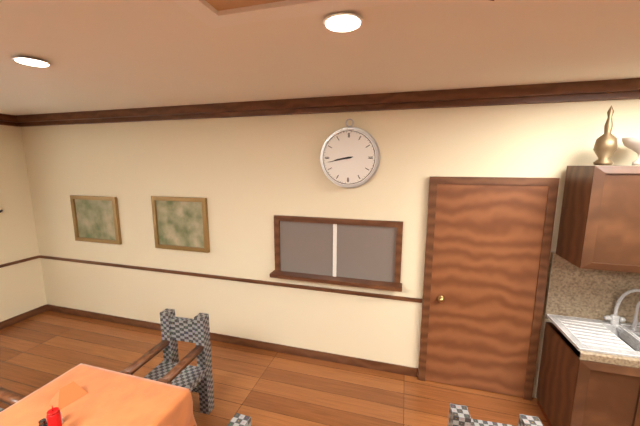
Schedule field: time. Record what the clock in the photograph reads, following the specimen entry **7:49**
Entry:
**8:43**
